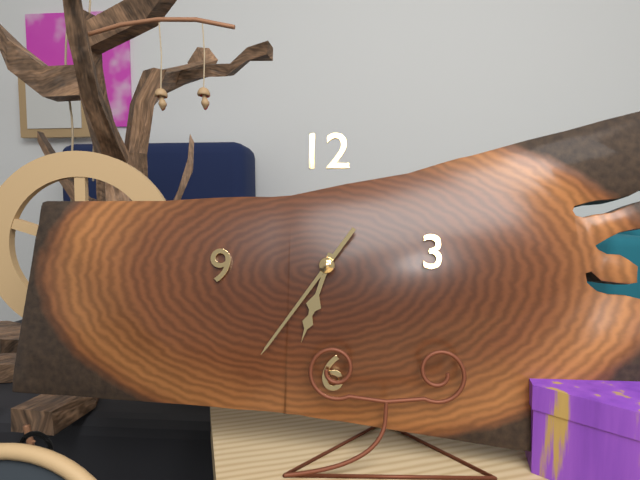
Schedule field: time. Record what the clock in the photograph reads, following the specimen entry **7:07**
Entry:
**6:36**
